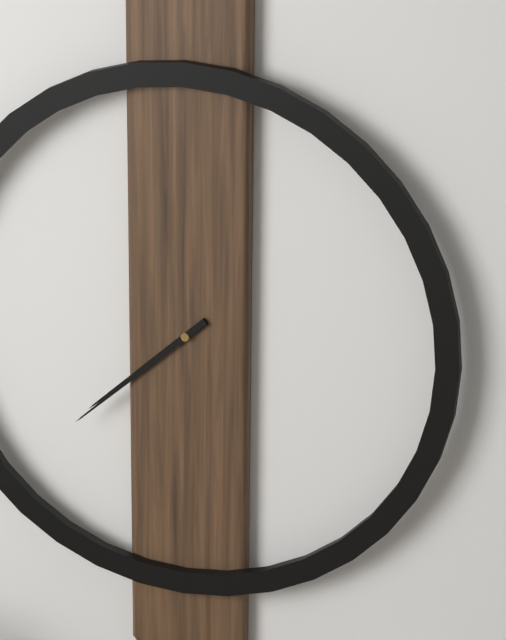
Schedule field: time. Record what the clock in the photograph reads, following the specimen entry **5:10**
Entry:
**7:38**
